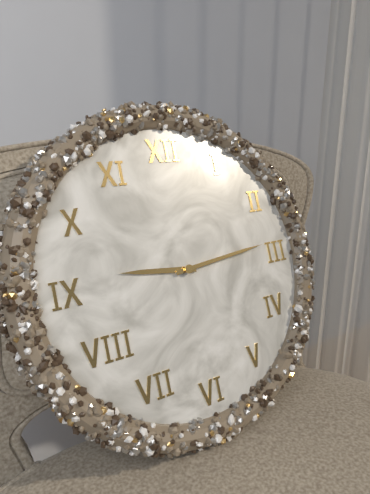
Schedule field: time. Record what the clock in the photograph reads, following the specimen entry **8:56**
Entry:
**9:14**
